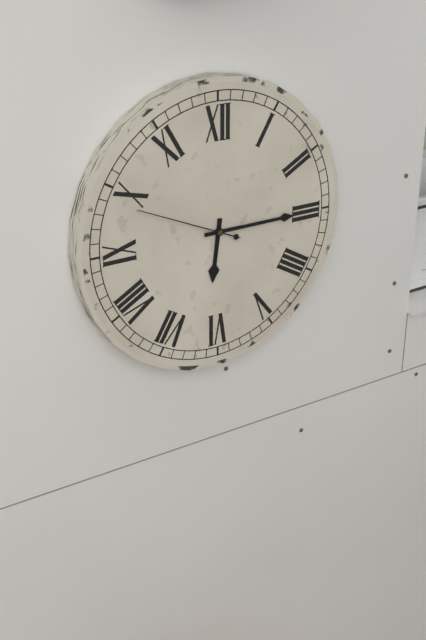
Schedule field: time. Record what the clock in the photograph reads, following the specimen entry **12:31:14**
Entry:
**6:15:49**
